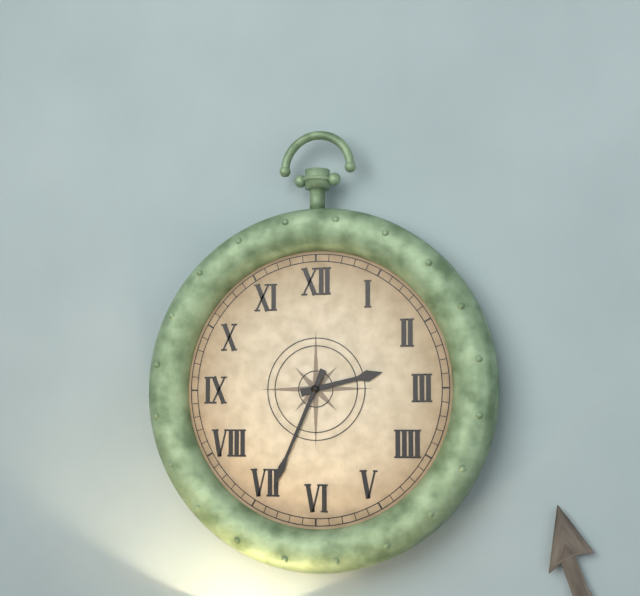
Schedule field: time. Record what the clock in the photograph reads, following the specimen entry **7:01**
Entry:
**2:34**
